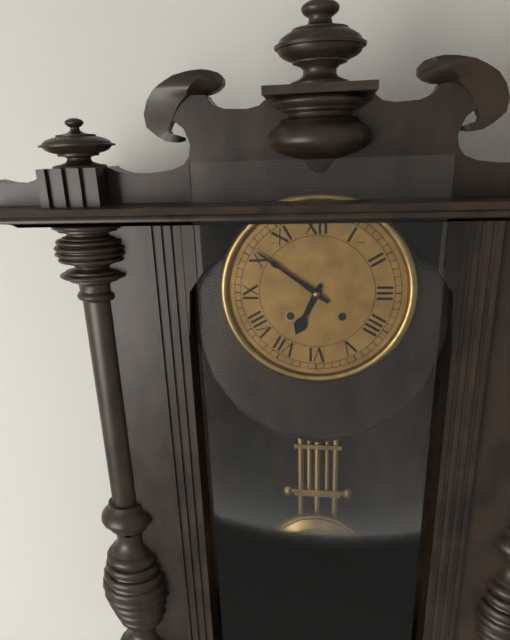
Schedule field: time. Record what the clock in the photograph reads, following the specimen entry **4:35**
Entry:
**6:51**
